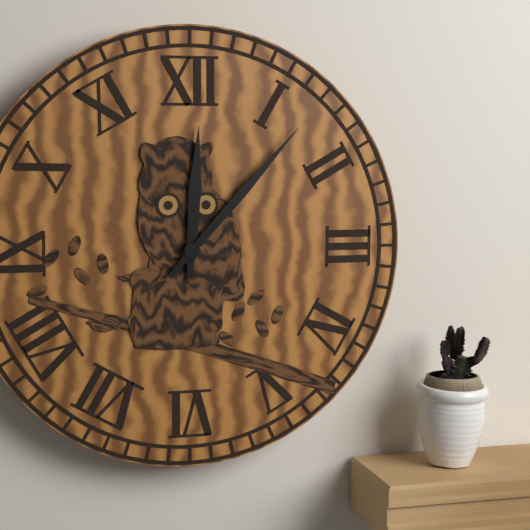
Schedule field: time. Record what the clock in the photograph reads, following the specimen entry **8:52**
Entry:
**12:07**
